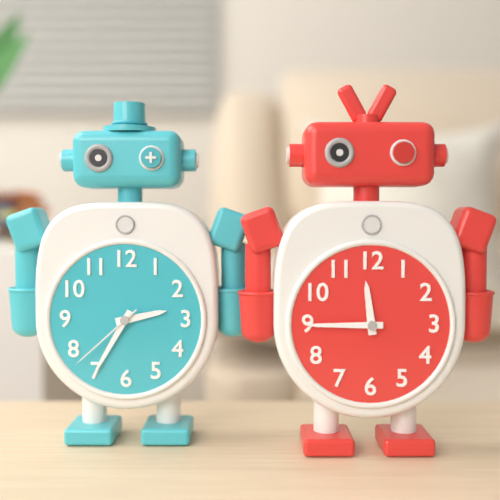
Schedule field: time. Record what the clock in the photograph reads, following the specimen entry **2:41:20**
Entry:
**2:35:38**
